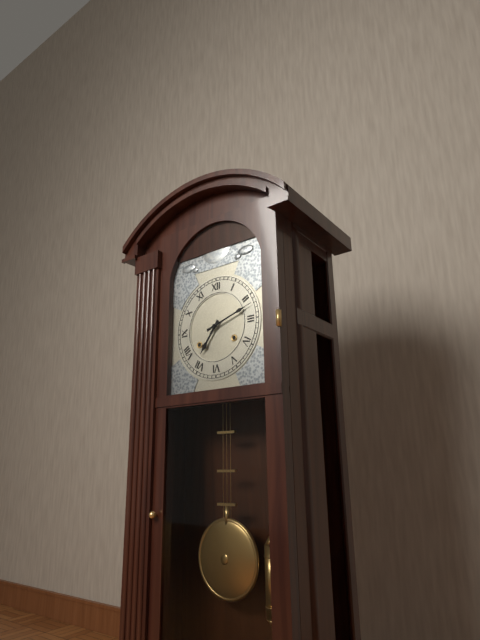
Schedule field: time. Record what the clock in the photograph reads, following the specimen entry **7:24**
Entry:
**7:12**
